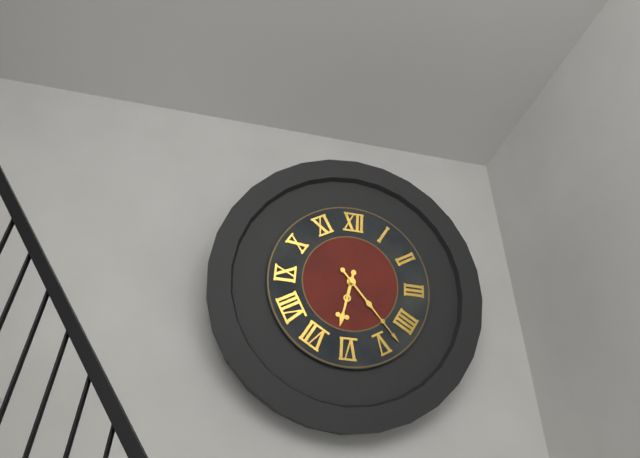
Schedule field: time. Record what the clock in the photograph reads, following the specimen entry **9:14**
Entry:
**6:23**
